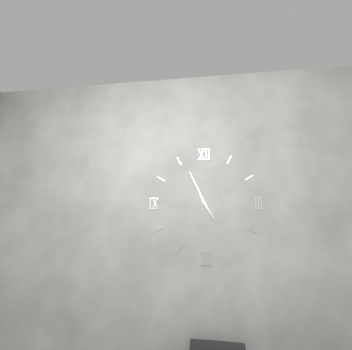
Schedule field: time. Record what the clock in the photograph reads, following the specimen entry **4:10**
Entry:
**4:56**
